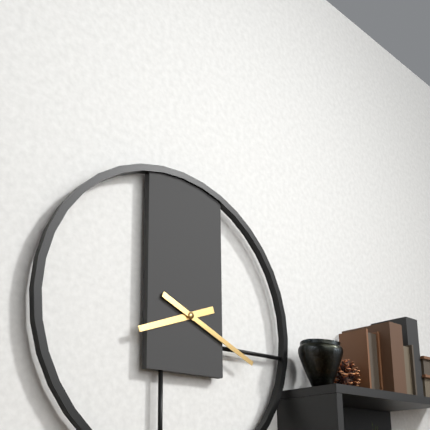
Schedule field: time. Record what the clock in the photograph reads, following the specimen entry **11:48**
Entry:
**8:19**
